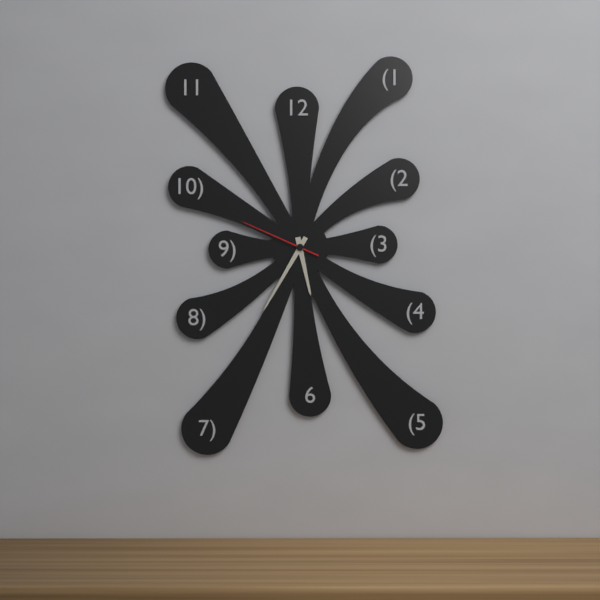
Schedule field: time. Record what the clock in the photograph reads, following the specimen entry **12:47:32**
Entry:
**5:35:49**
